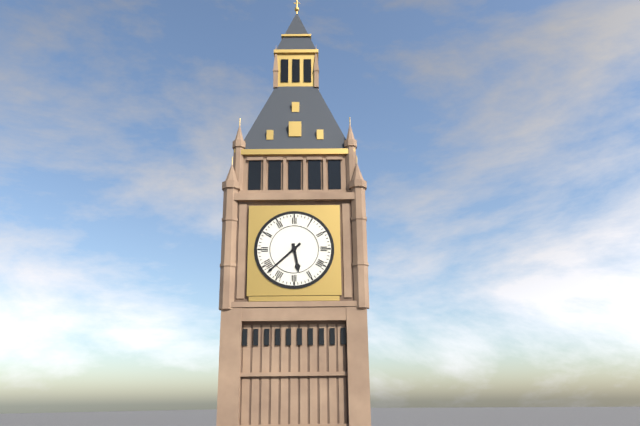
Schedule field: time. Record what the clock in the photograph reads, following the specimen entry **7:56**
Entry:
**5:38**
